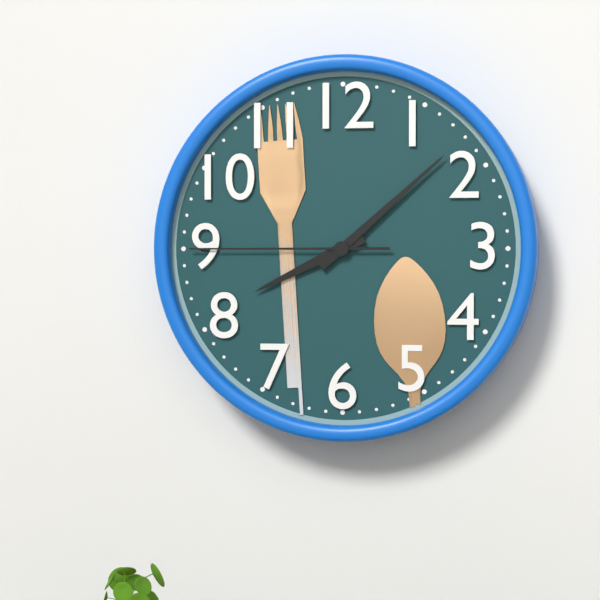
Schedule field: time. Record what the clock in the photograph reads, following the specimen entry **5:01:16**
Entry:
**8:08:45**
